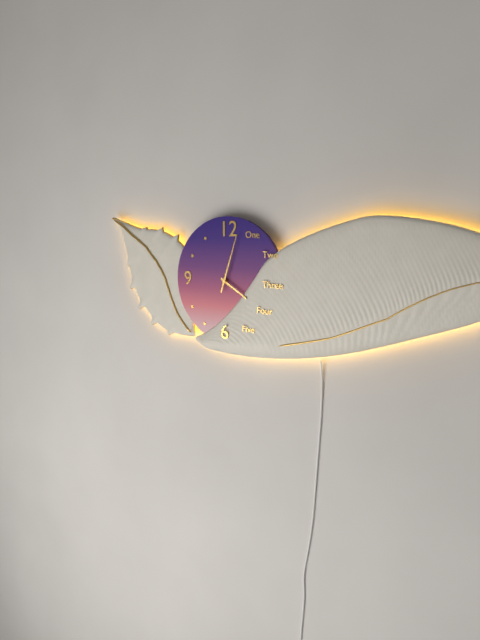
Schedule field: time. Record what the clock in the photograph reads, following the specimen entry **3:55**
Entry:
**4:03**
